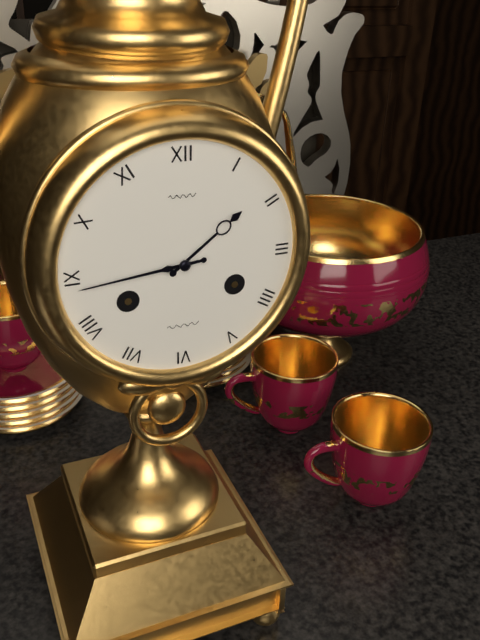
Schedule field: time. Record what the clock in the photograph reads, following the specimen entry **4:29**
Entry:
**1:44**
